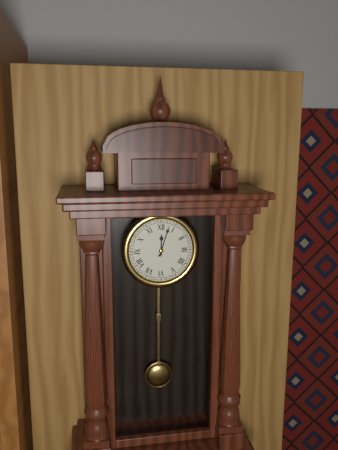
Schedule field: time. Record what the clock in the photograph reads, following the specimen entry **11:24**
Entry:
**12:03**
